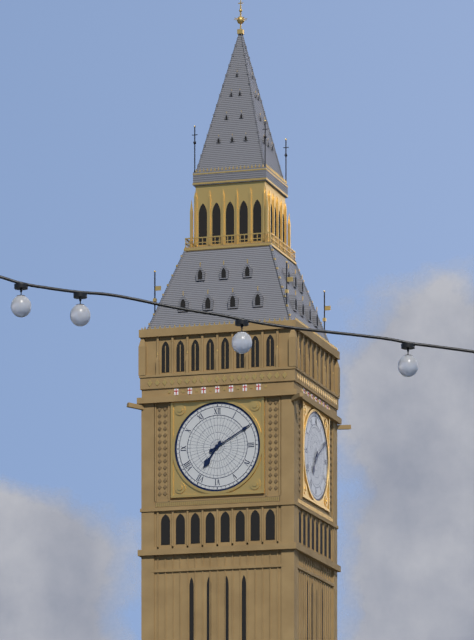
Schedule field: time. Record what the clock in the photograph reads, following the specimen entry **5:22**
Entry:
**7:10**
